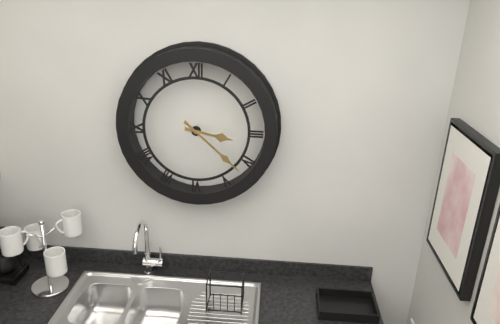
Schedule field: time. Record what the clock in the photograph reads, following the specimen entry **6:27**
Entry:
**3:22**
